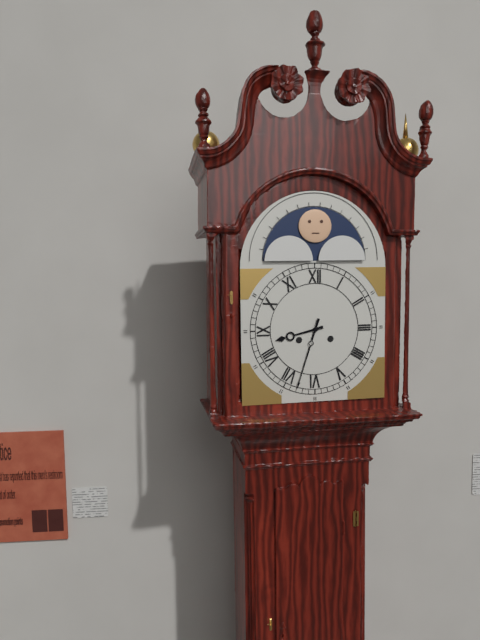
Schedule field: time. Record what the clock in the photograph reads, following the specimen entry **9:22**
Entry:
**8:33**
